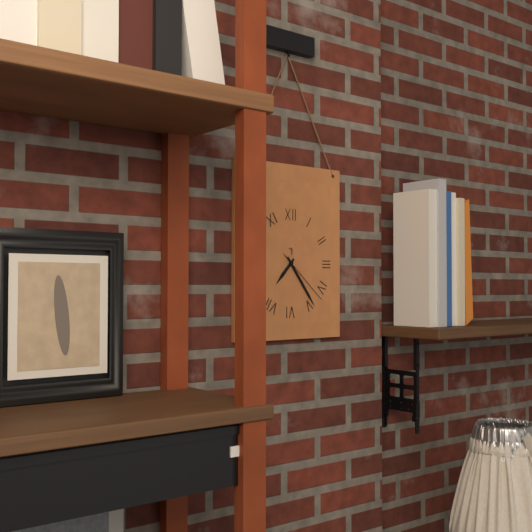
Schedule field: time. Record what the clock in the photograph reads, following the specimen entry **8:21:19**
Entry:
**7:24:22**
